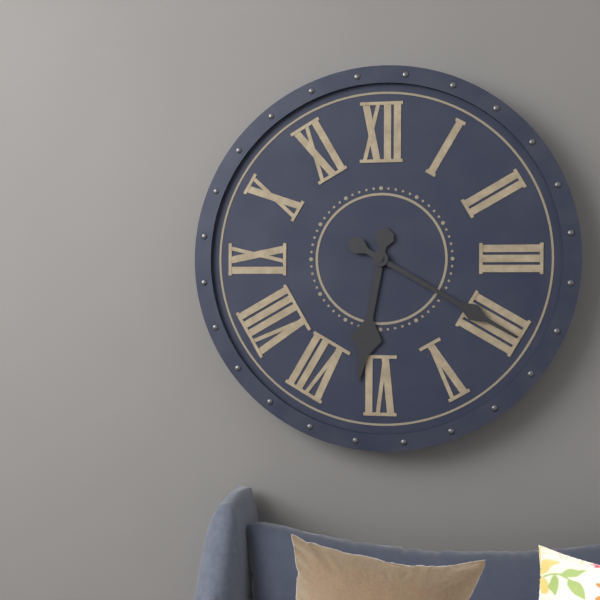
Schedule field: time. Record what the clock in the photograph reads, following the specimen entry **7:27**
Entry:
**6:20**
